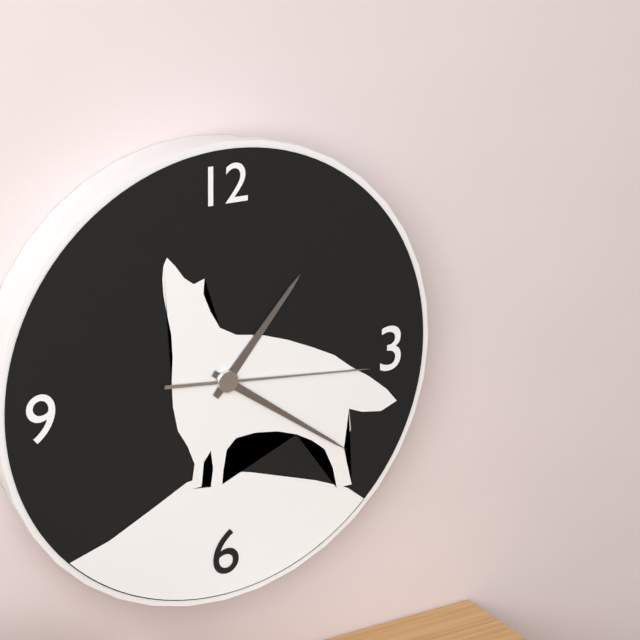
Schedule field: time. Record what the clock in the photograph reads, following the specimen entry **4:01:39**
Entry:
**1:21:16**
